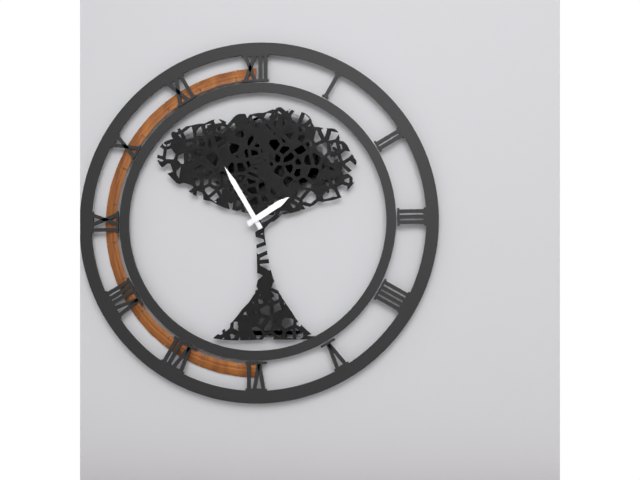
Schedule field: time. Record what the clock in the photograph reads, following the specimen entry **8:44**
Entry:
**1:55**
